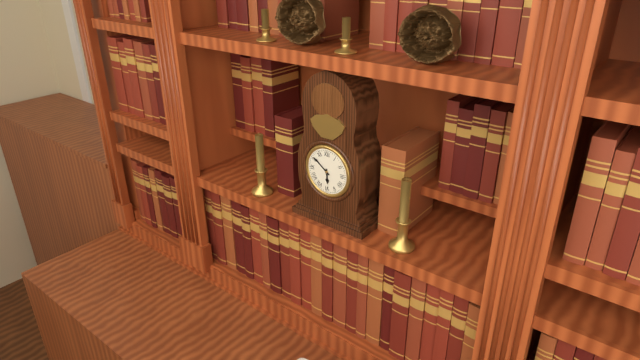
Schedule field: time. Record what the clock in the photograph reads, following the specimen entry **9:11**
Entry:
**5:51**
